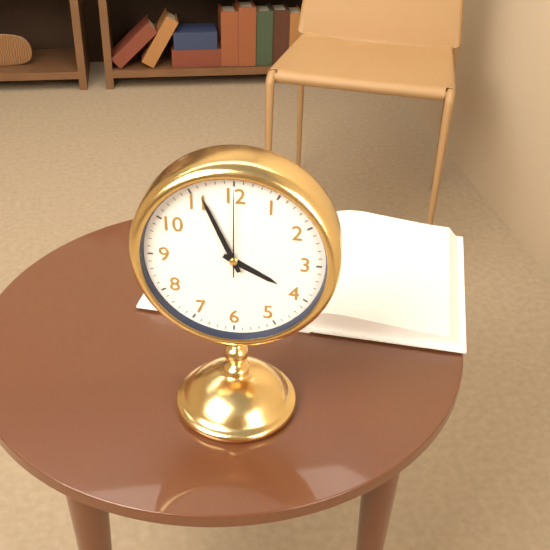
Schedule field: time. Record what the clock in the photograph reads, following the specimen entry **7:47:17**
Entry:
**3:56:00**
